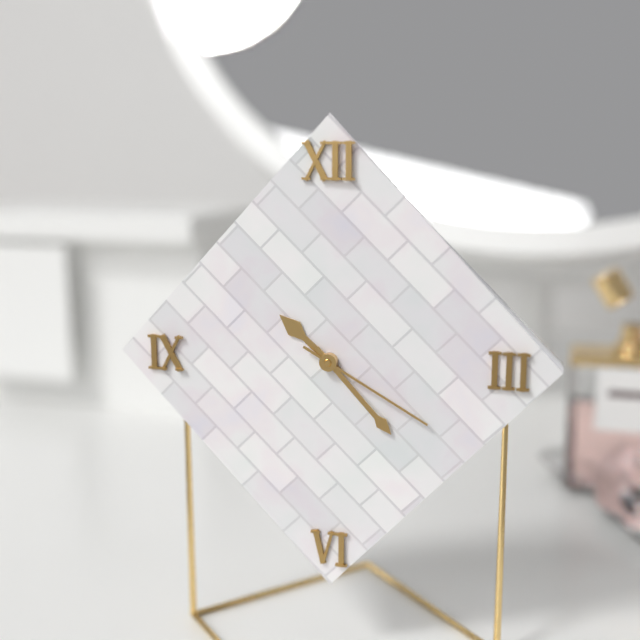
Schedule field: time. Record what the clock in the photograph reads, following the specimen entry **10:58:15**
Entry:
**10:23:20**
